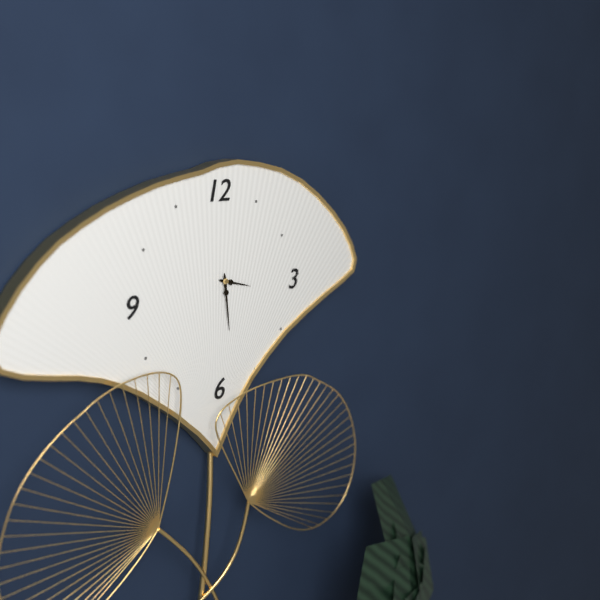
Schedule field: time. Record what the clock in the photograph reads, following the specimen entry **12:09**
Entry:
**3:29**
